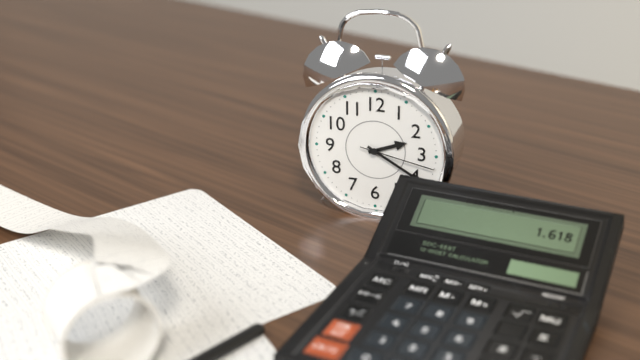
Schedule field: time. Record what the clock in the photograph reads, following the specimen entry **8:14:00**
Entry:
**2:20:17**
